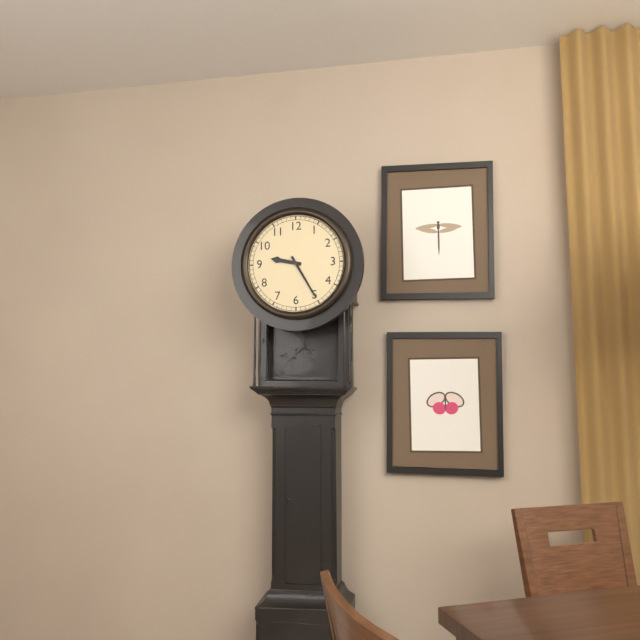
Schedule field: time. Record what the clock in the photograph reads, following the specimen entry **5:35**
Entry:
**9:25**
